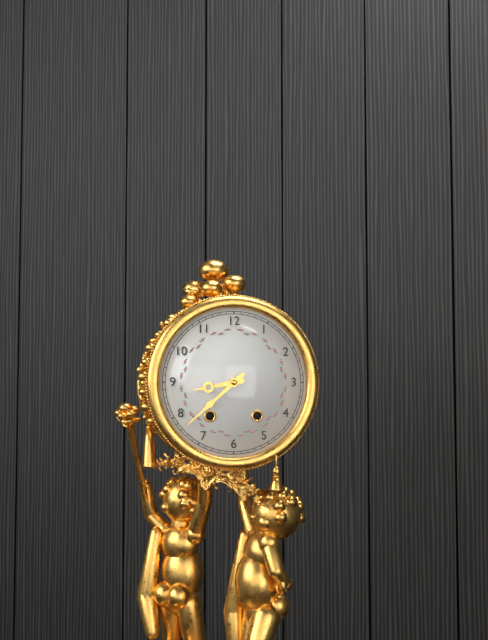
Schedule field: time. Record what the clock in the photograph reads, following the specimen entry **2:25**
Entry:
**8:38**
